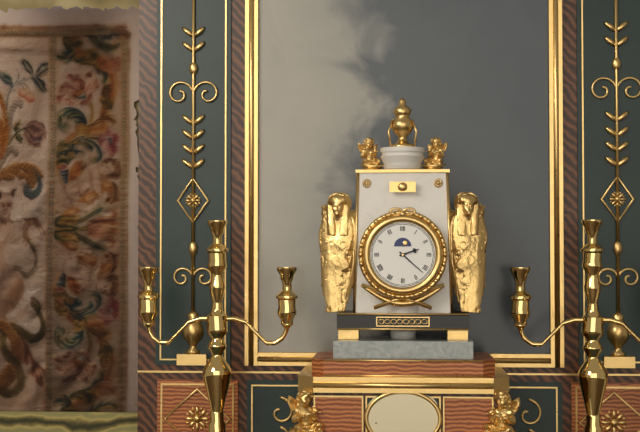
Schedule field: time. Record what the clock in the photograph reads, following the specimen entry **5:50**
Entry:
**2:22**
